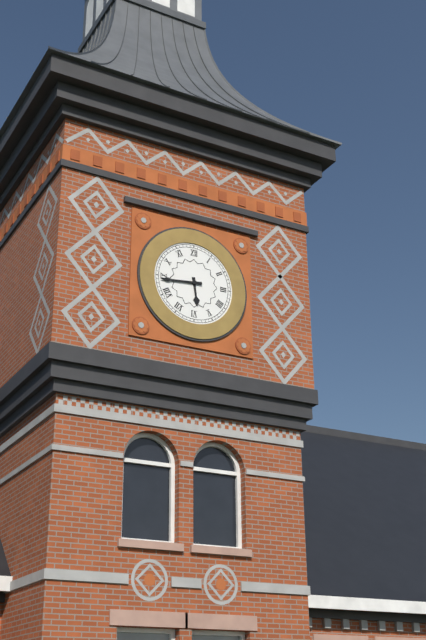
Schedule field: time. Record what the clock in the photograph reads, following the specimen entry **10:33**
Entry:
**5:44**
